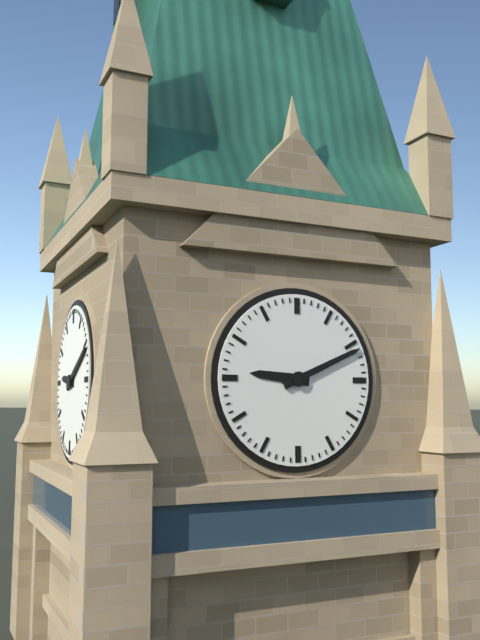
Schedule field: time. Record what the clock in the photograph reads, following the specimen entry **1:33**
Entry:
**9:11**
